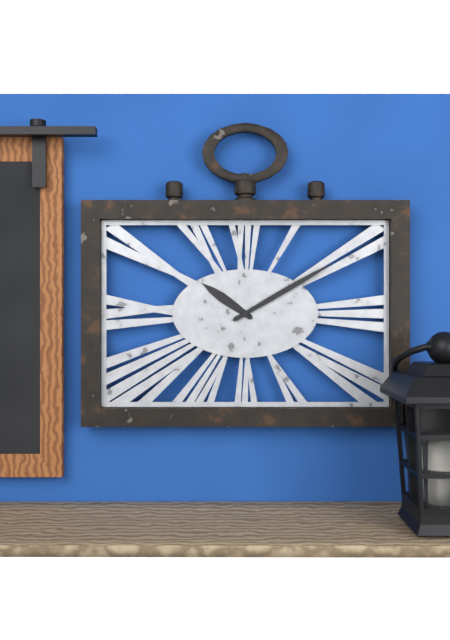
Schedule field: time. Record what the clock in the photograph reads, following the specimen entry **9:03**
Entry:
**10:10**
